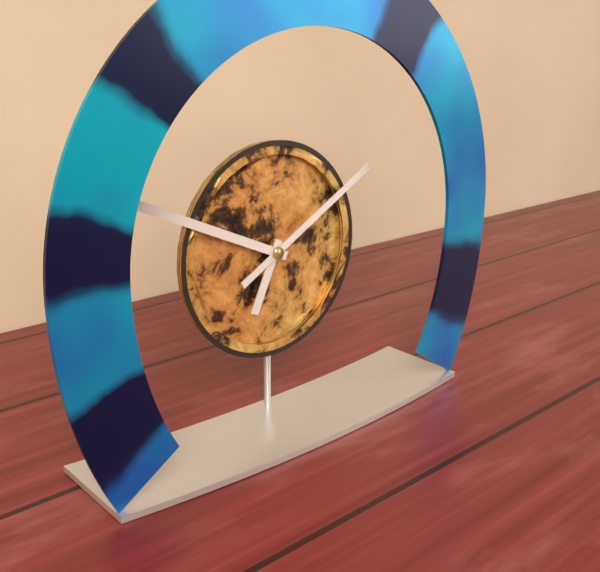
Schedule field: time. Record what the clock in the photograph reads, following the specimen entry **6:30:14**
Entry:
**6:49:10**
